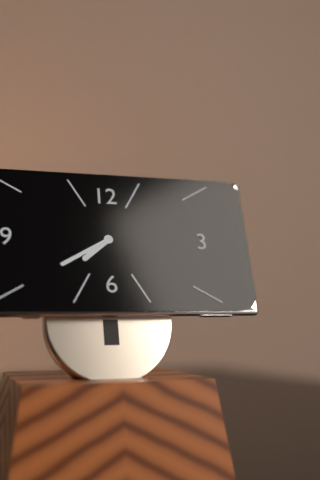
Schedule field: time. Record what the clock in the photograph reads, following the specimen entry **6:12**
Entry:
**7:40**
